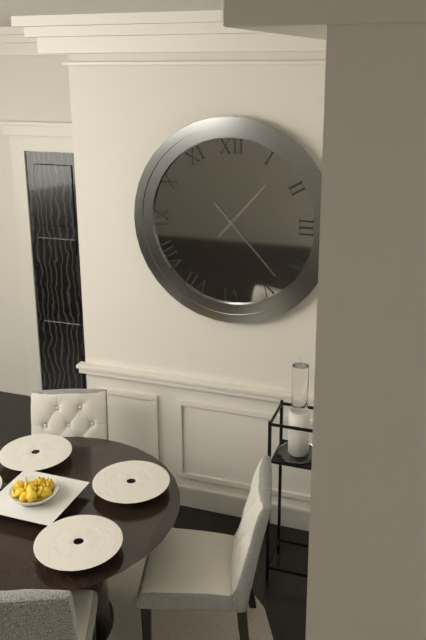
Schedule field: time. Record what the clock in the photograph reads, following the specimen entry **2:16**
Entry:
**1:23**
